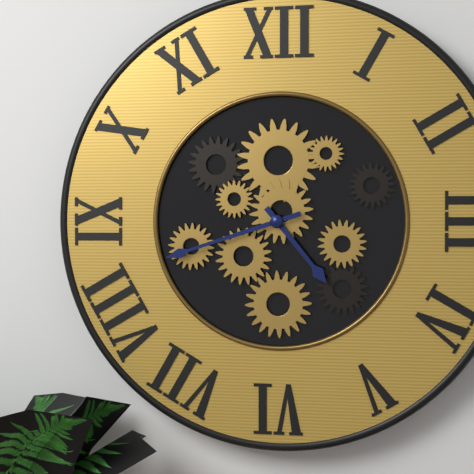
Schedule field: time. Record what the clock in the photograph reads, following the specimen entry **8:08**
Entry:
**4:42**
